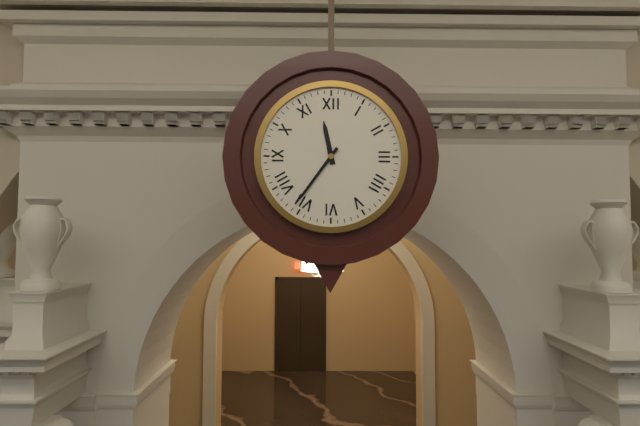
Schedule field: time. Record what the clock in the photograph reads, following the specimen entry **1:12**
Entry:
**11:36**
